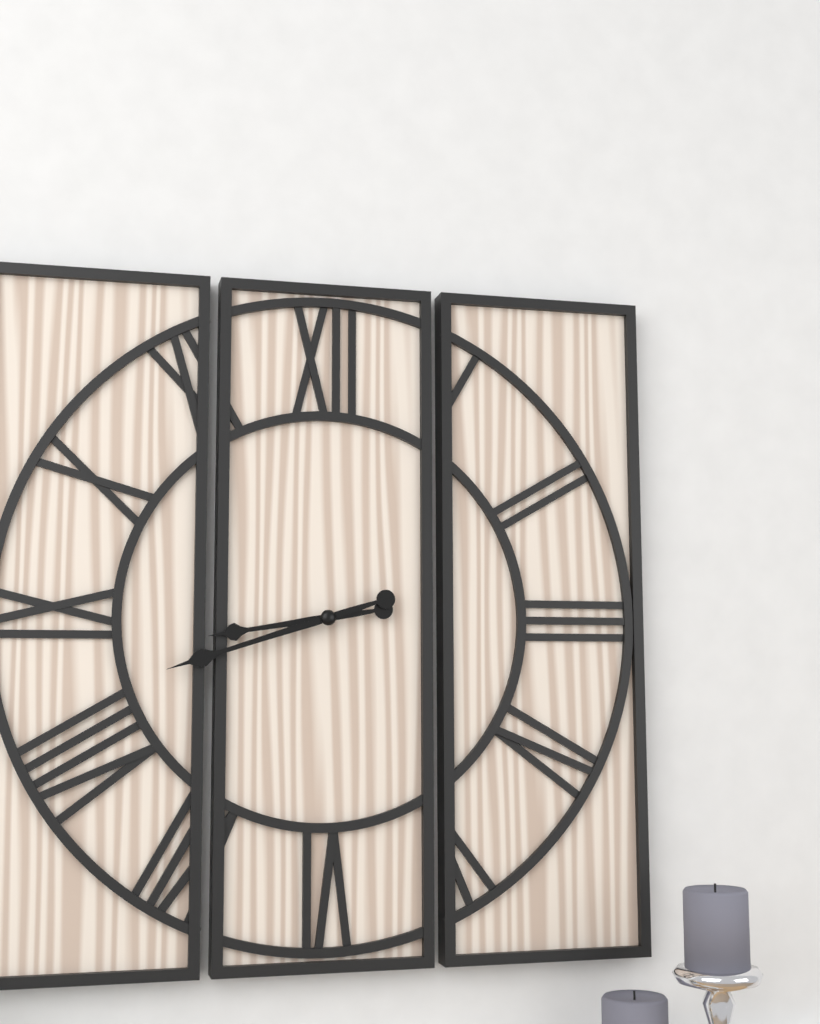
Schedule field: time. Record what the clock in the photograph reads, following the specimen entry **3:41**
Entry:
**8:42**
